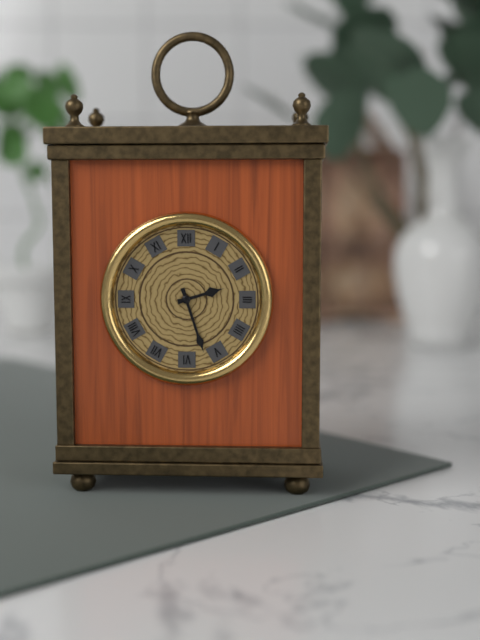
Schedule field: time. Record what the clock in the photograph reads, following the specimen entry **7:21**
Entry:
**2:27**
